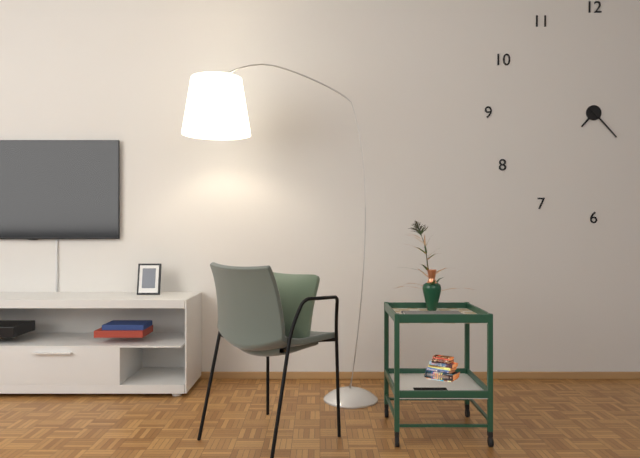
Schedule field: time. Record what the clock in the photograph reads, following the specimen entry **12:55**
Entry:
**7:23**
